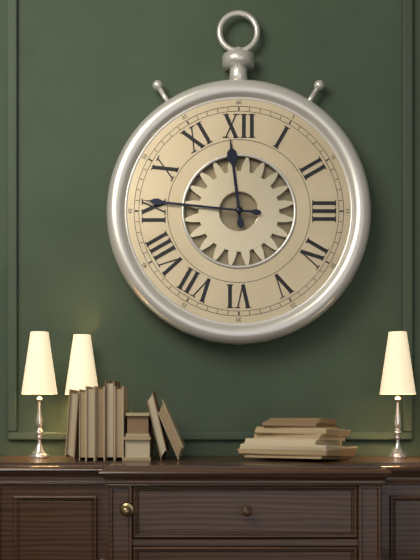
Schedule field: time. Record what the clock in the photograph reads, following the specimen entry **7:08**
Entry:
**11:46**
